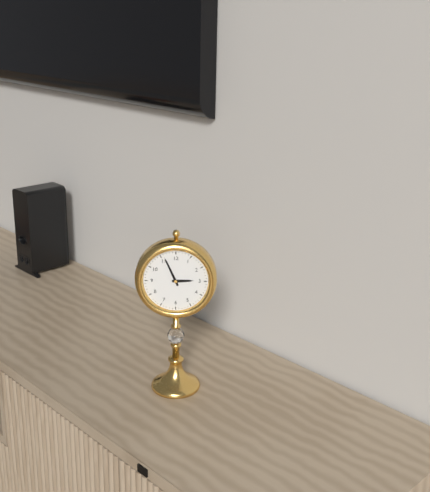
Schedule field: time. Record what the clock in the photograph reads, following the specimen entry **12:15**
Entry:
**2:56**
